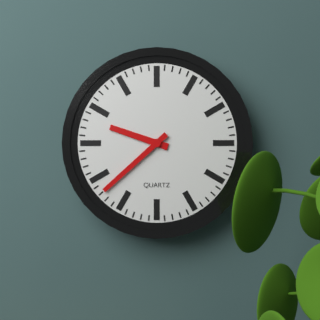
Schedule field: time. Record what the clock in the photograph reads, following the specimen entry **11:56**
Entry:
**9:38**
